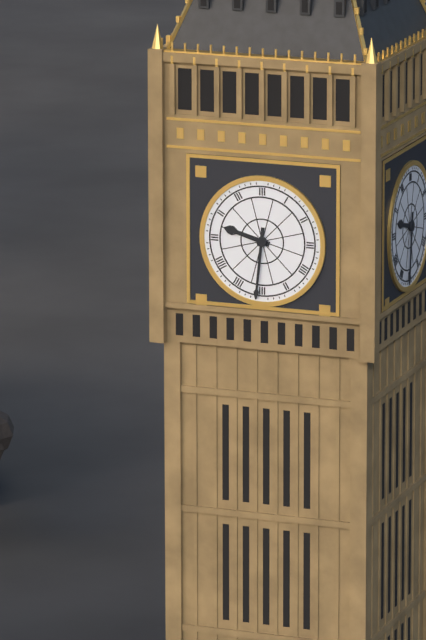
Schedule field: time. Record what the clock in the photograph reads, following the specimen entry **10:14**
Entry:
**9:31**
